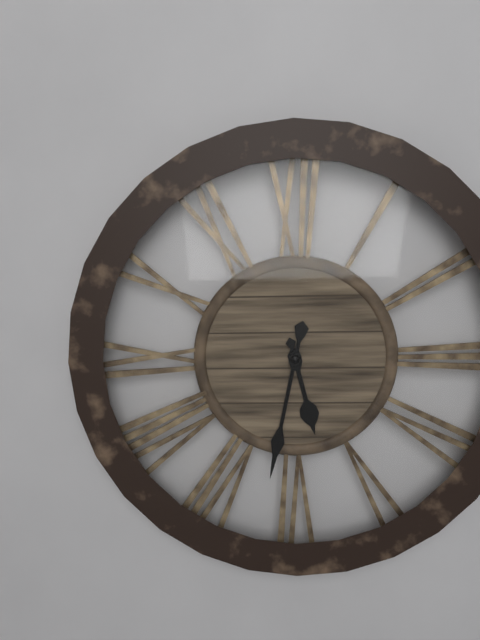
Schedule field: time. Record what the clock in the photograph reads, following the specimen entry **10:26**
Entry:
**5:32**
